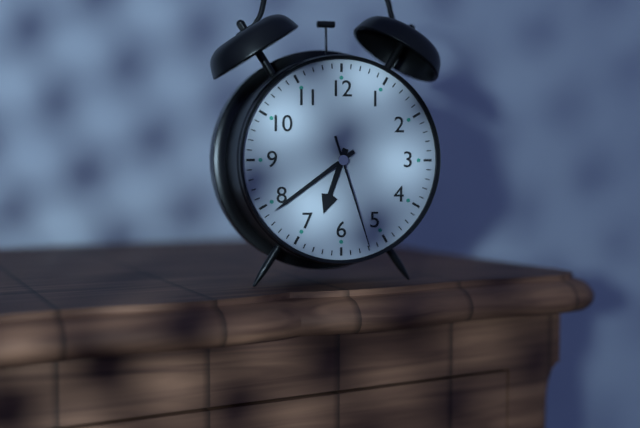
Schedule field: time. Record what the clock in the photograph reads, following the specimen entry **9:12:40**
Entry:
**6:39:27**
